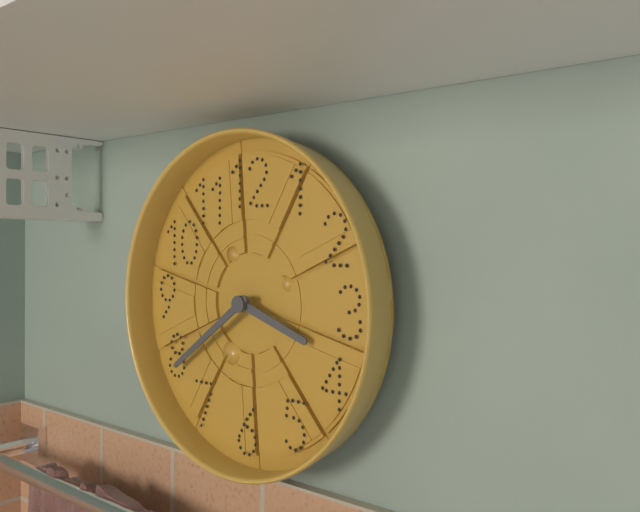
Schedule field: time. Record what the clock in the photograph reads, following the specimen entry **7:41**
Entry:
**3:39**
